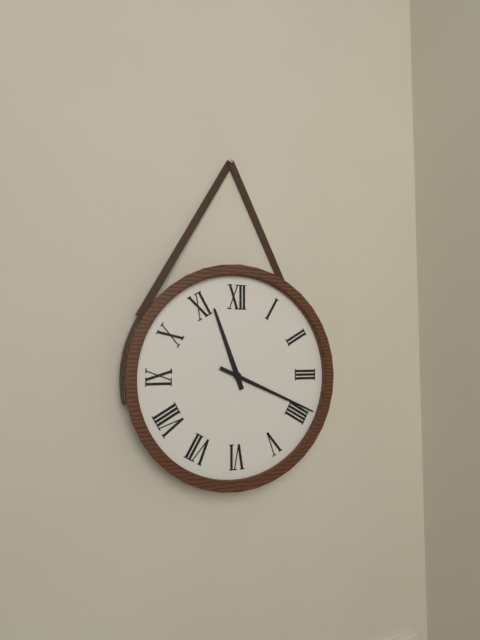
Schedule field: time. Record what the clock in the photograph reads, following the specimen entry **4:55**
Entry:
**11:19**
